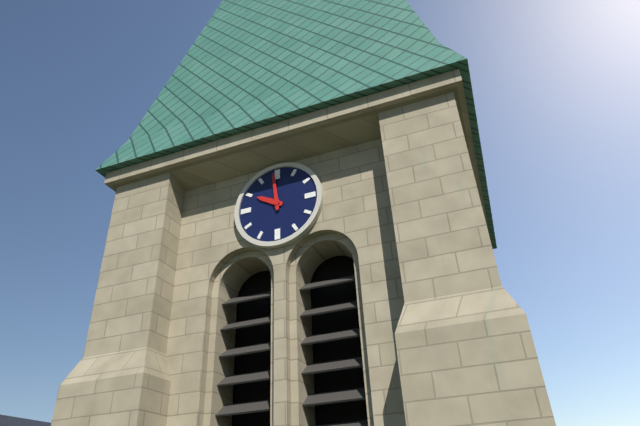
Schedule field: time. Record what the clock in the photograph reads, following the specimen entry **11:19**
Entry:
**9:59**
